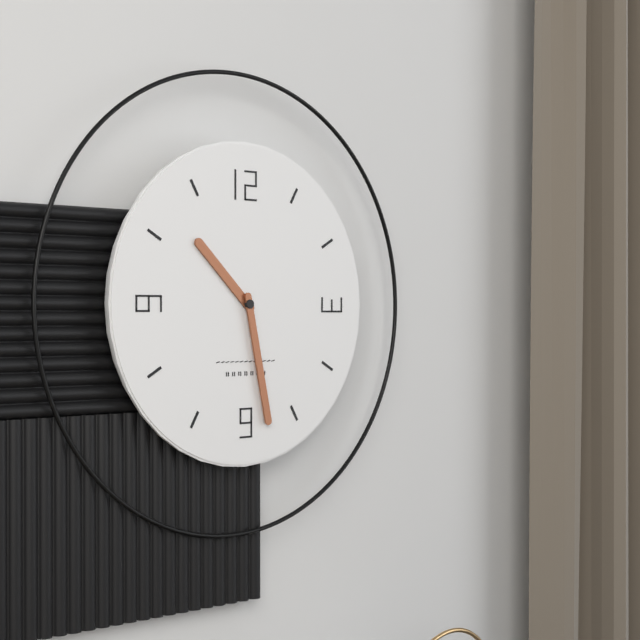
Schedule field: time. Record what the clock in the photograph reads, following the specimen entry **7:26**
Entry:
**10:28**
